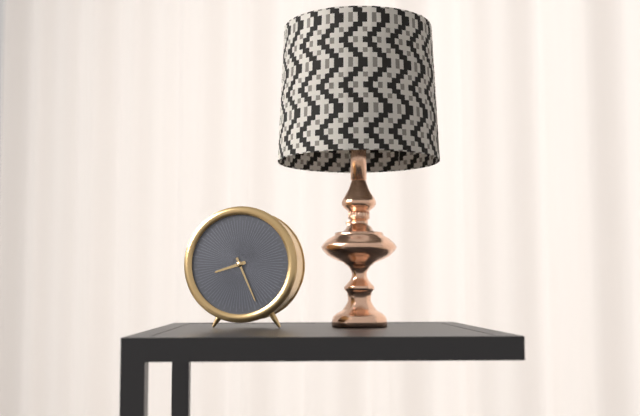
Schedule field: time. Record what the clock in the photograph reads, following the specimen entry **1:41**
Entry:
**8:26**
